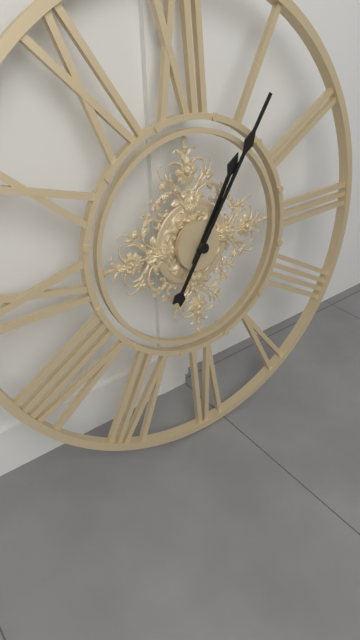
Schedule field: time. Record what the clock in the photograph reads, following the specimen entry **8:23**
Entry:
**1:06**
